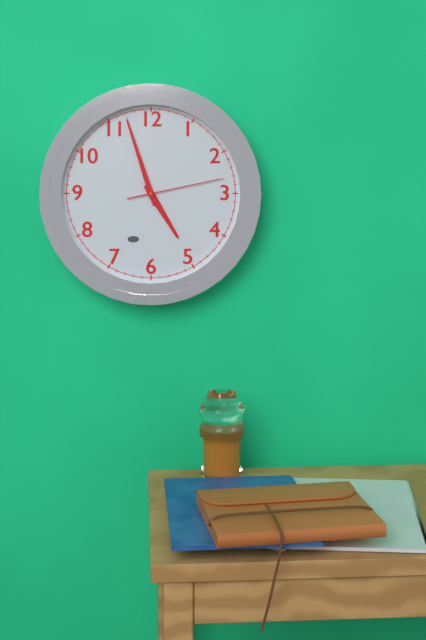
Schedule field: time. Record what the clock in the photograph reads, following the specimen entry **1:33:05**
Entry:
**4:57:13**
